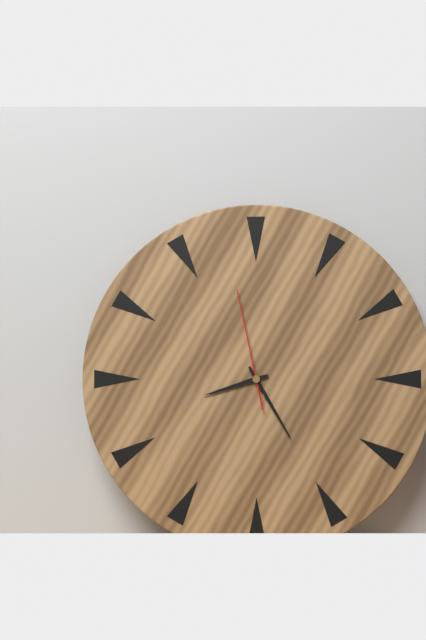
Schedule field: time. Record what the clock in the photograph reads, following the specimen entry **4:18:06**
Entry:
**8:25:58**
